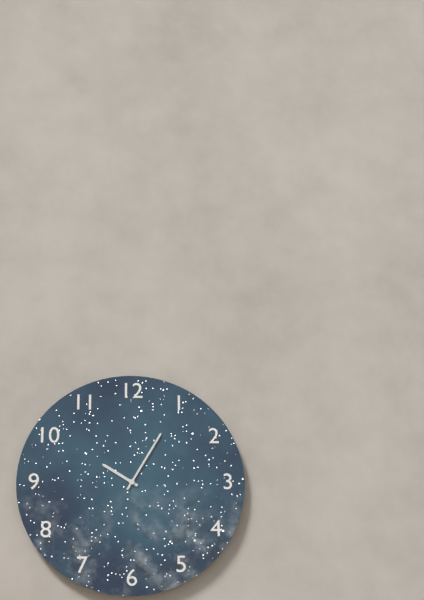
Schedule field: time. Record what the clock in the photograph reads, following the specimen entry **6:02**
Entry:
**10:05**
